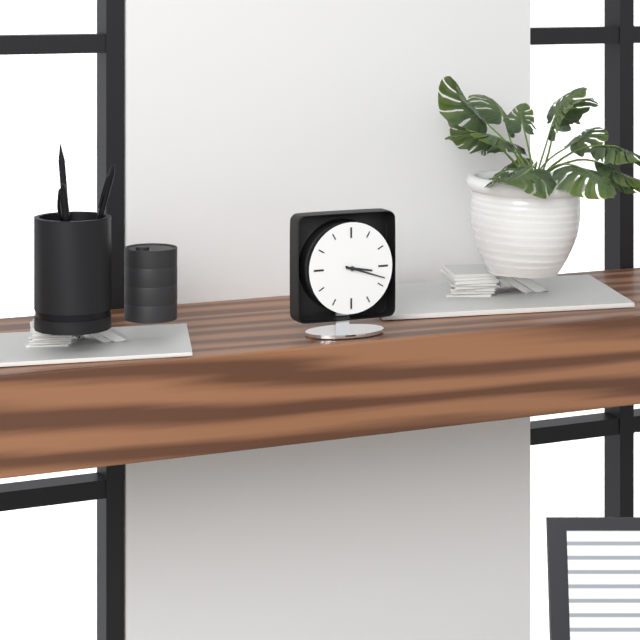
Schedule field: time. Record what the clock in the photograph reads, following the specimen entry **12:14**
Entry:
**3:18**
